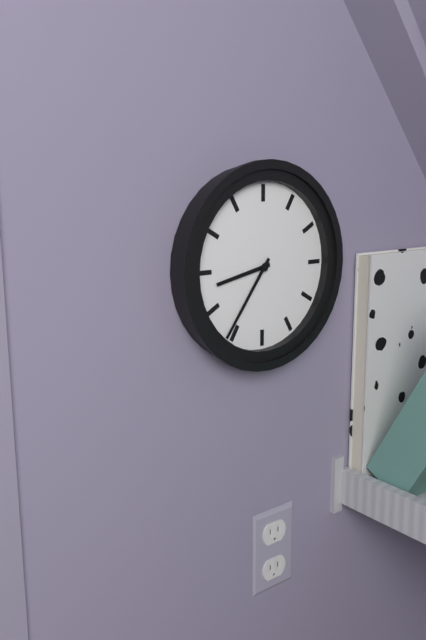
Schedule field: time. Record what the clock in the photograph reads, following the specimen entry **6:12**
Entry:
**8:36**
